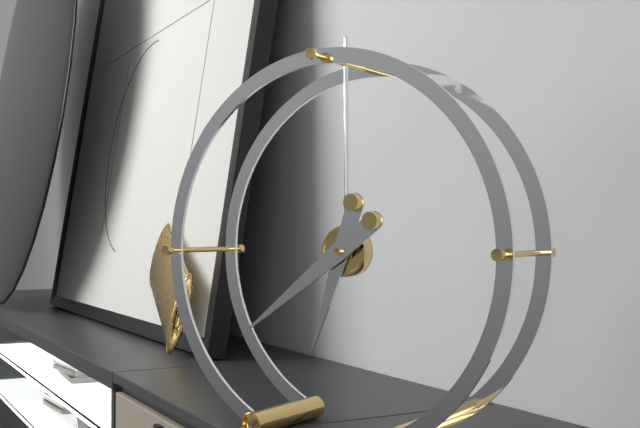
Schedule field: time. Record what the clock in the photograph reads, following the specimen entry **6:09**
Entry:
**6:39**
